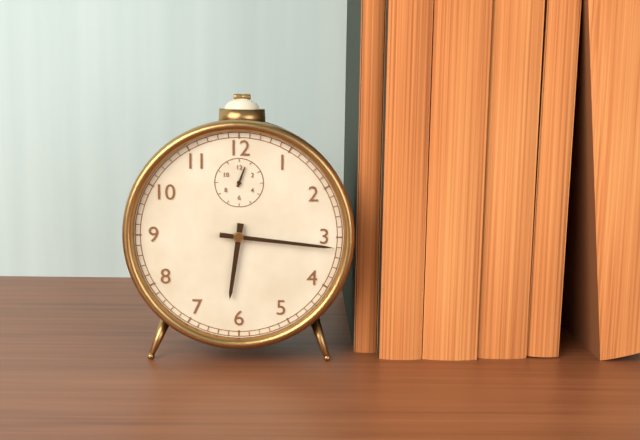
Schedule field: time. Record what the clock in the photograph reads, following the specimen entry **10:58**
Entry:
**6:16**
